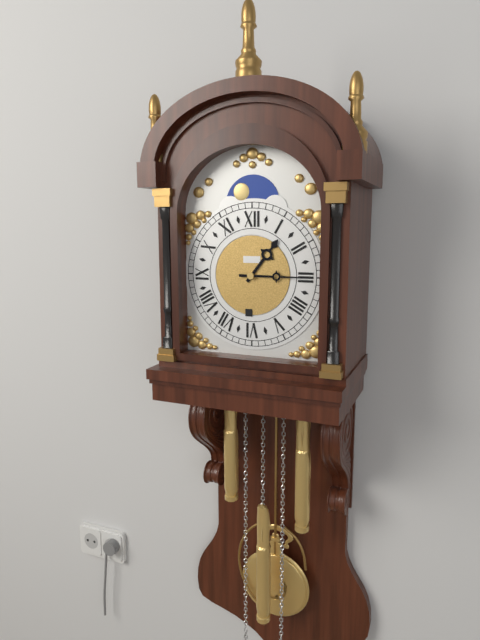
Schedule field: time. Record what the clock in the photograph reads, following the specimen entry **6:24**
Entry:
**1:15**
